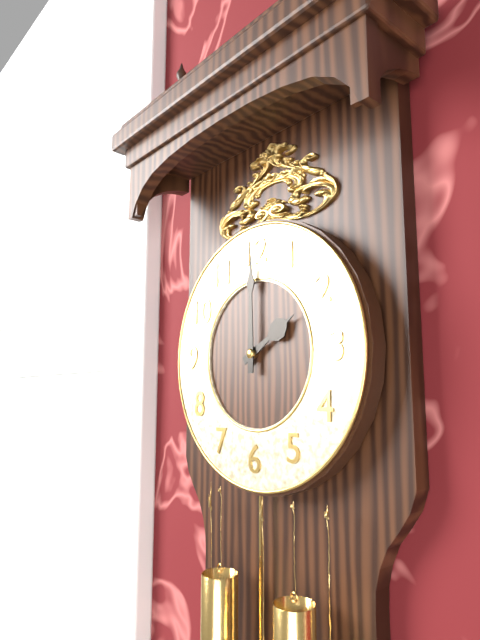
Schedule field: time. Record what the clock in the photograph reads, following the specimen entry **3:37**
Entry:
**2:00**
